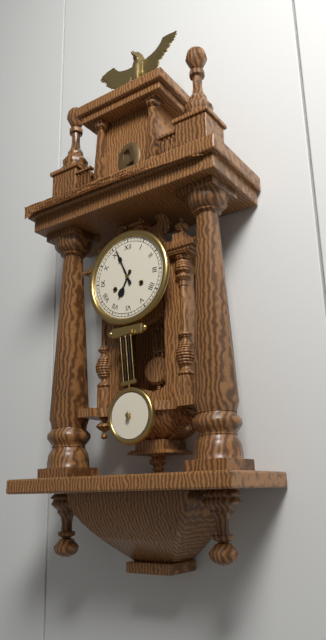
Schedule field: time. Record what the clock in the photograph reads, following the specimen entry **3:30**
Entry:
**6:56**
